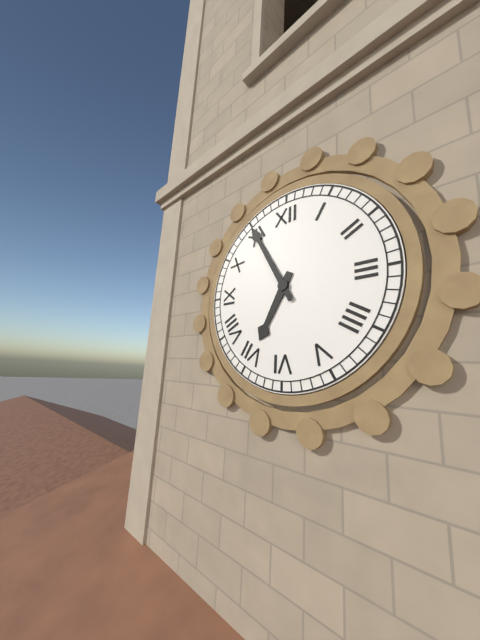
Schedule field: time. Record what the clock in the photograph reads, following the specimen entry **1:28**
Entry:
**6:55**
